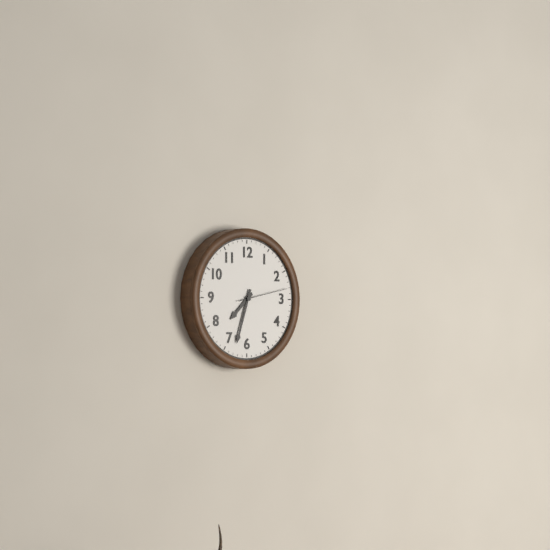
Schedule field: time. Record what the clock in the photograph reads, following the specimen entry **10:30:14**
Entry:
**7:33:13**
